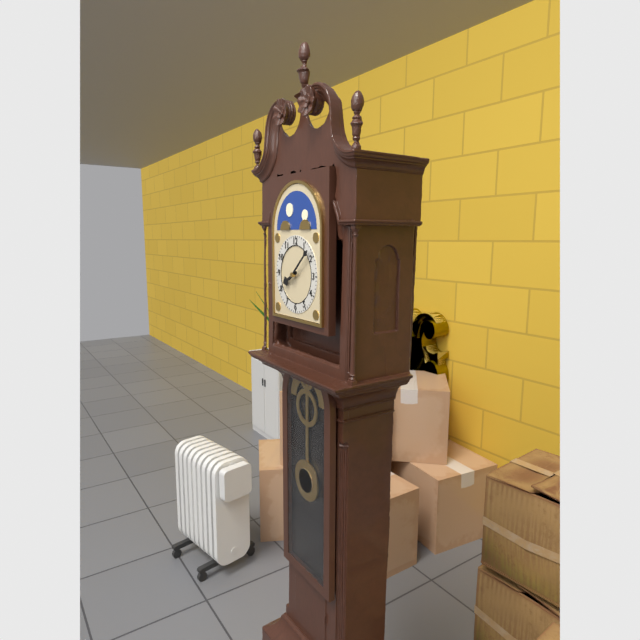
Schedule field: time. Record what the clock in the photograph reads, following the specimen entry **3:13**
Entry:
**8:08**
